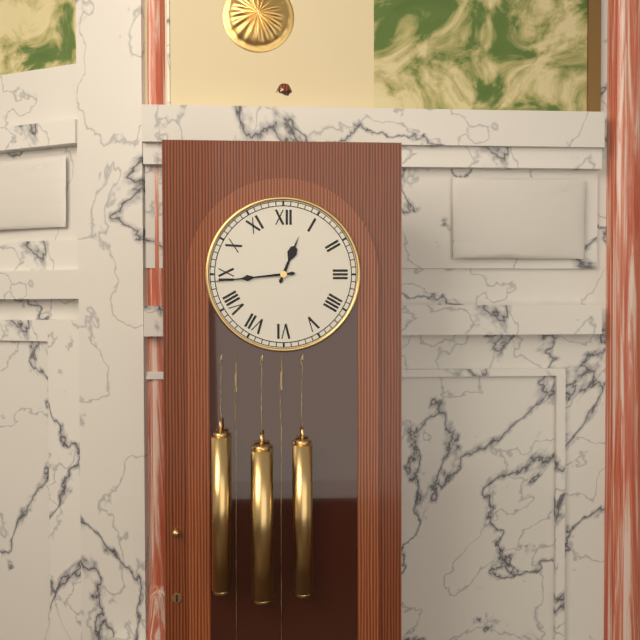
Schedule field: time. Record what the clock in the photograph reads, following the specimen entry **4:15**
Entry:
**12:44**
